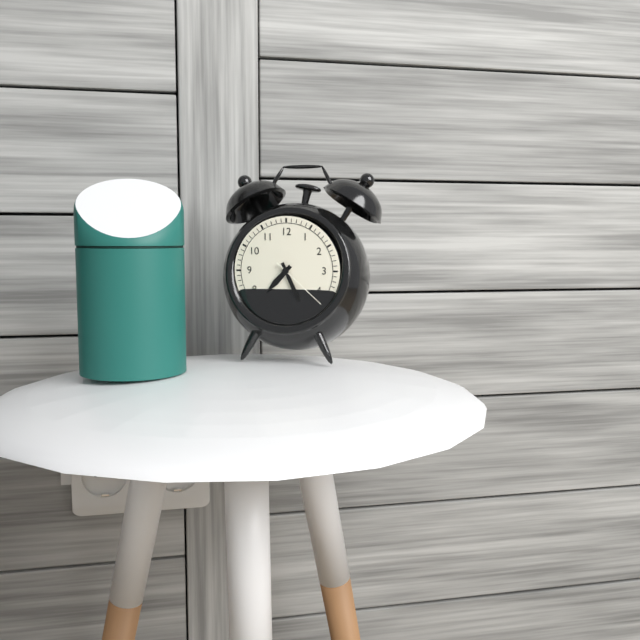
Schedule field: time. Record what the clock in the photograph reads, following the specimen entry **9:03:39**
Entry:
**7:26:22**
